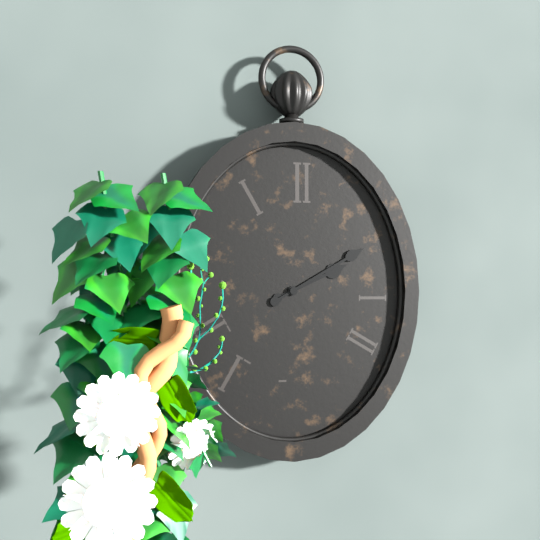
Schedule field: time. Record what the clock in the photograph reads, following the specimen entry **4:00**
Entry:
**2:10**
